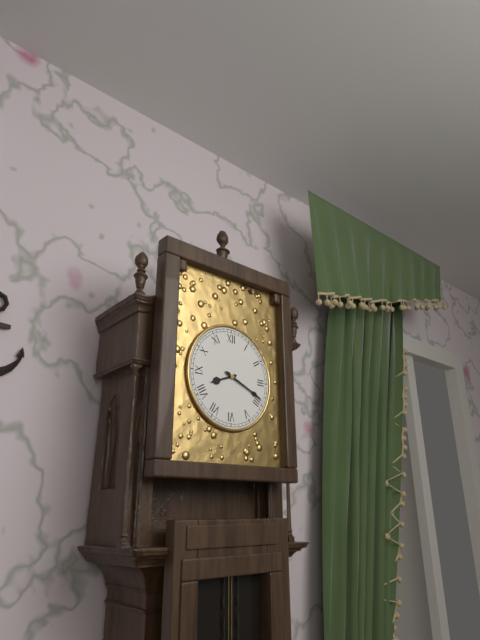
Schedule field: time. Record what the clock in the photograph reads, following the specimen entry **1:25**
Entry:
**8:19**
